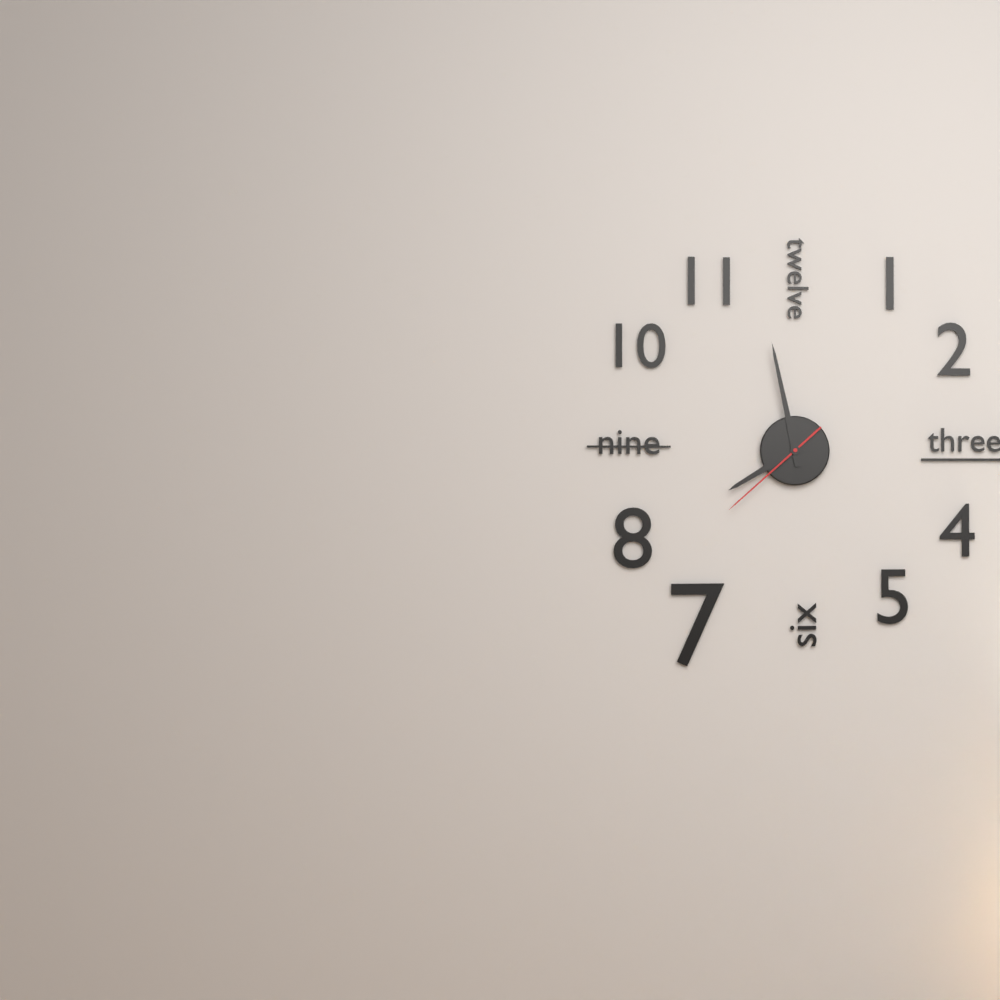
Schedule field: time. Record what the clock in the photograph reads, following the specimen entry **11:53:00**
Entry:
**7:58:38**
